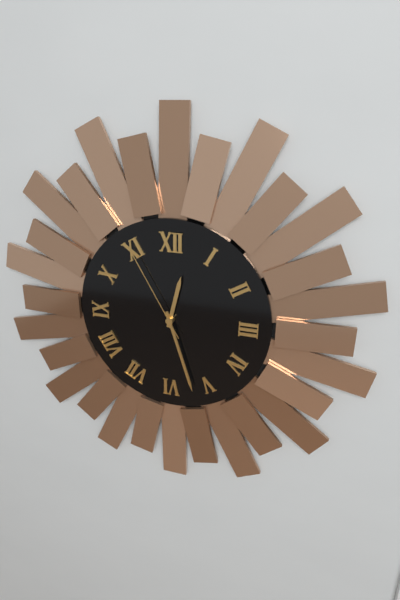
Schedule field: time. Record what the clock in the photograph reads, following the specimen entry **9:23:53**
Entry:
**12:27:55**
